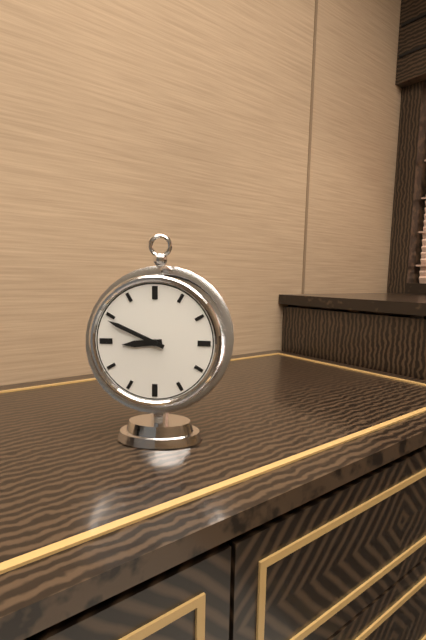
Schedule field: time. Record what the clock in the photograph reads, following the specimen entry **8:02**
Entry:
**8:49**
